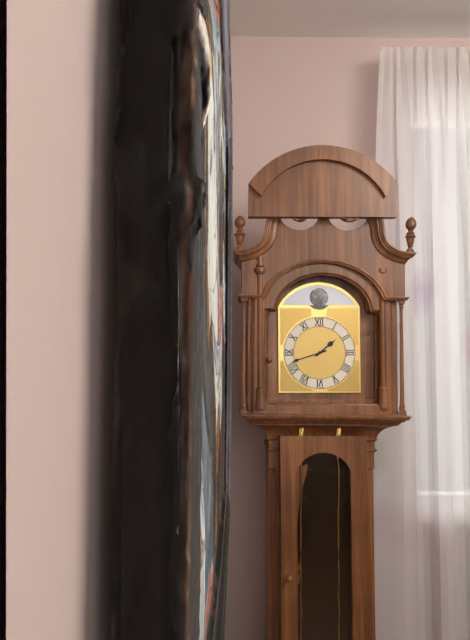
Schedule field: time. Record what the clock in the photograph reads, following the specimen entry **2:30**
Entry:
**1:42**
